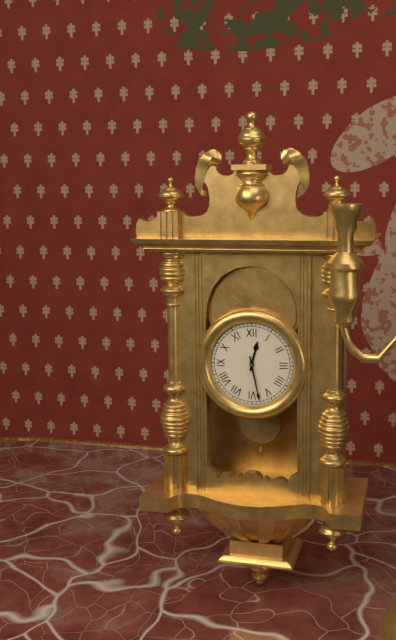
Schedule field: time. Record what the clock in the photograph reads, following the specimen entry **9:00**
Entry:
**12:28**
